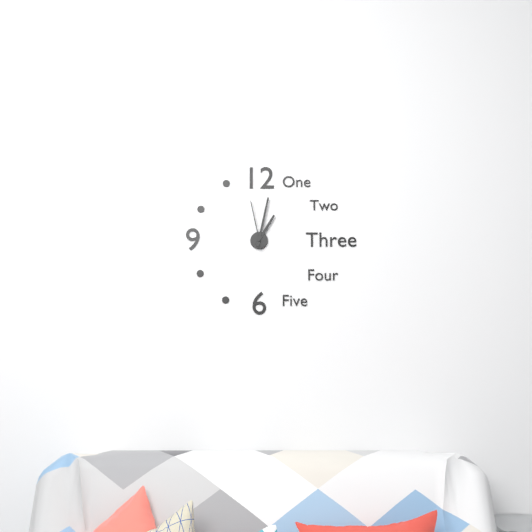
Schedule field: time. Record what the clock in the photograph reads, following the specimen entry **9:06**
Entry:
**1:02**
